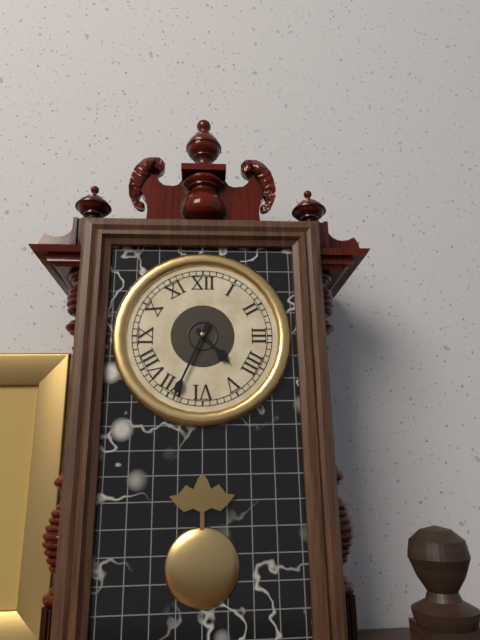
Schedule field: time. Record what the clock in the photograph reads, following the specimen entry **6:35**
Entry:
**4:34**
